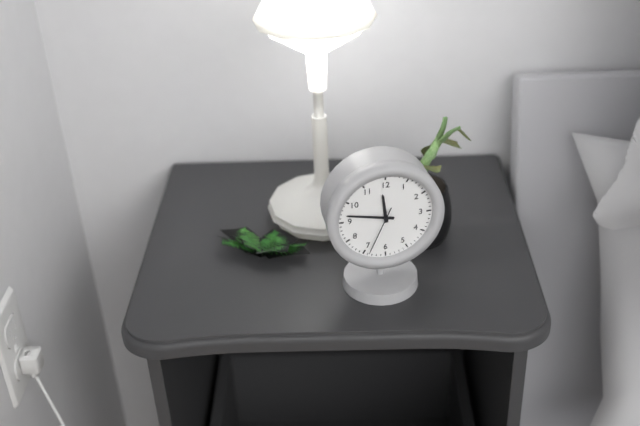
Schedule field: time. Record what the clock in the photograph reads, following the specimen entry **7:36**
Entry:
**11:47**
